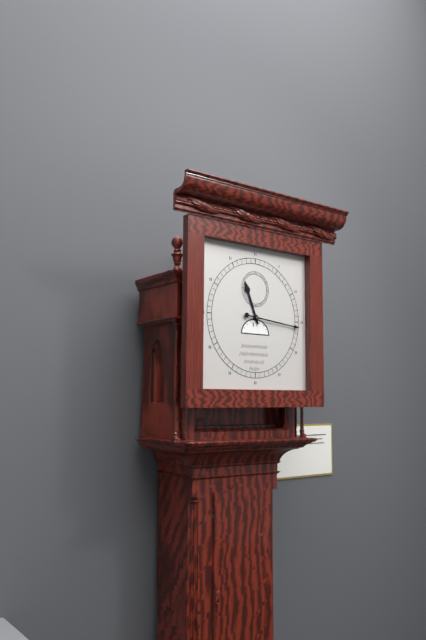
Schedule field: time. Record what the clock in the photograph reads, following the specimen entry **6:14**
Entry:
**11:16**
